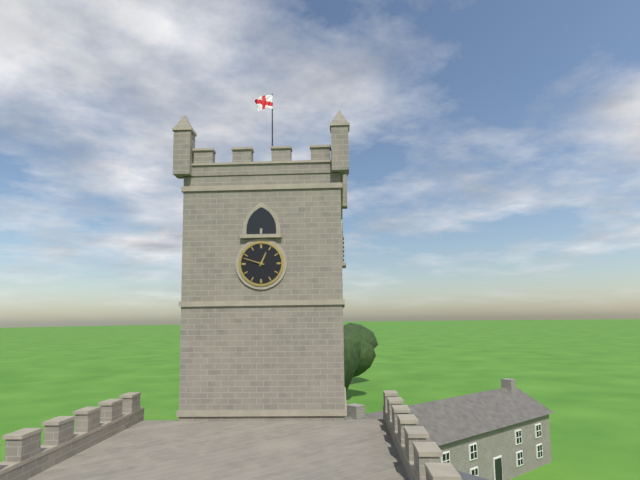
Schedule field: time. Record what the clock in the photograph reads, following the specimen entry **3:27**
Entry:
**12:48**
